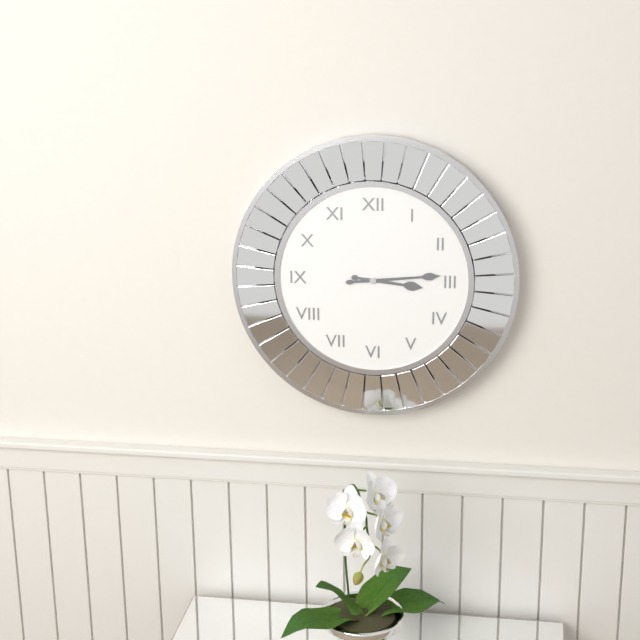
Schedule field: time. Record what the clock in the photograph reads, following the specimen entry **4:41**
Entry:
**3:14**
